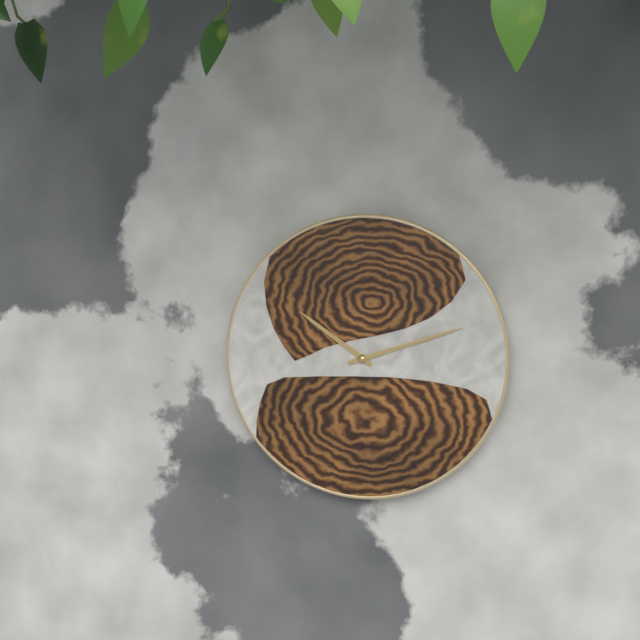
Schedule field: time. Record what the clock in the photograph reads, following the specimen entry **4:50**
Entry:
**10:12**
